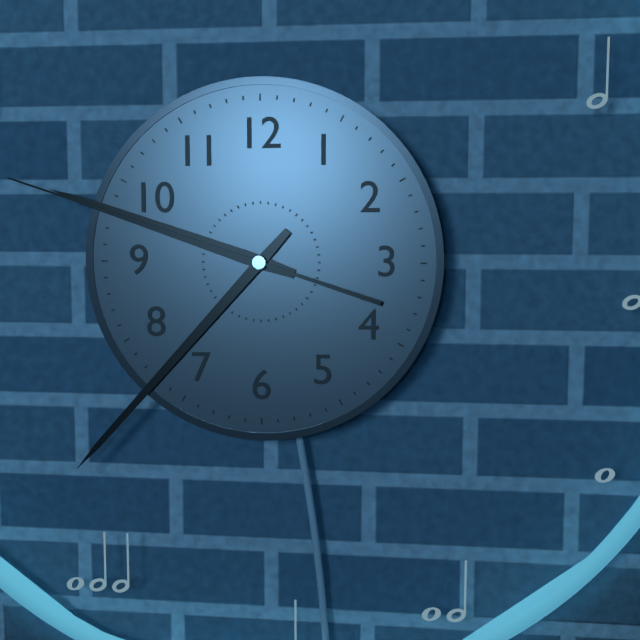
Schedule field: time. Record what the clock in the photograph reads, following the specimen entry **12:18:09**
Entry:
**9:37:48**
